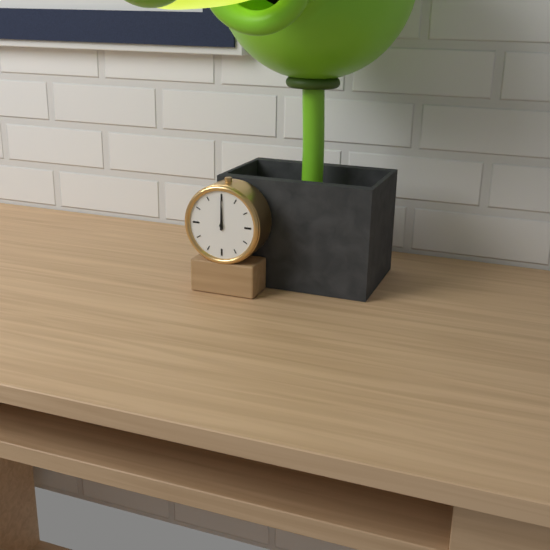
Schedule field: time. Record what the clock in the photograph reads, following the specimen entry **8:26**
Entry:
**12:00**
